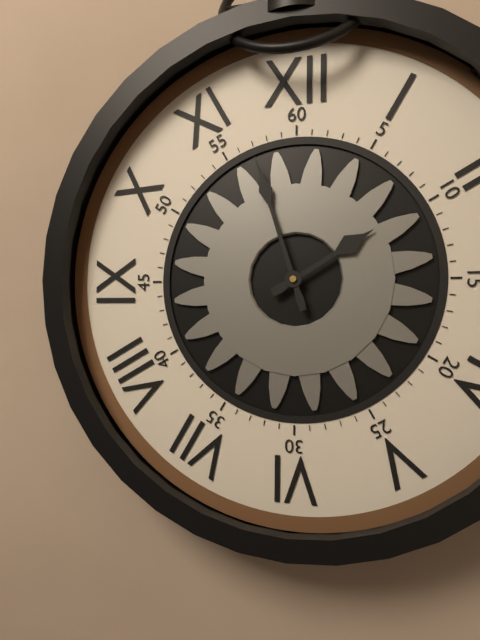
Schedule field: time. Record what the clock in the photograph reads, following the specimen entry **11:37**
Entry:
**1:57**
